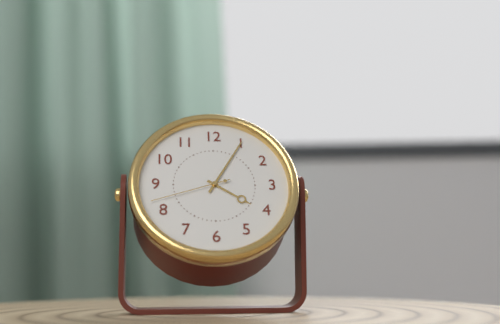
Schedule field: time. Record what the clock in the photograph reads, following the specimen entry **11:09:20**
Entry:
**4:05:42**
